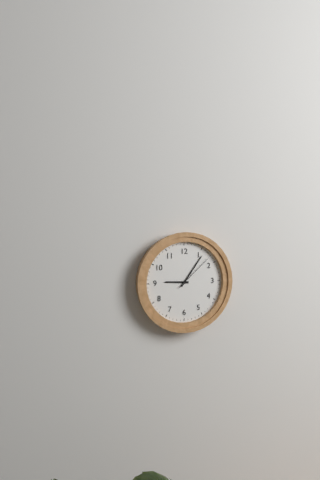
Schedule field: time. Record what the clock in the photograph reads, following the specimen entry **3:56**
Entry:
**9:06**
